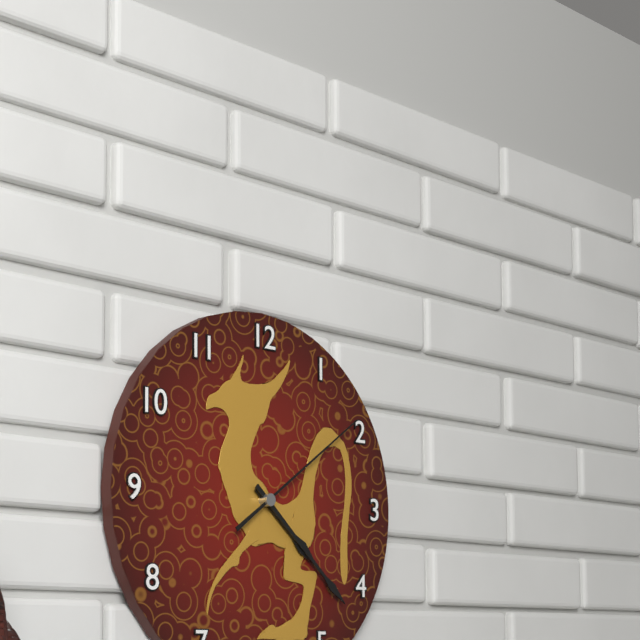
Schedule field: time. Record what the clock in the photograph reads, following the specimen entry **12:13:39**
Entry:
**4:22:09**
